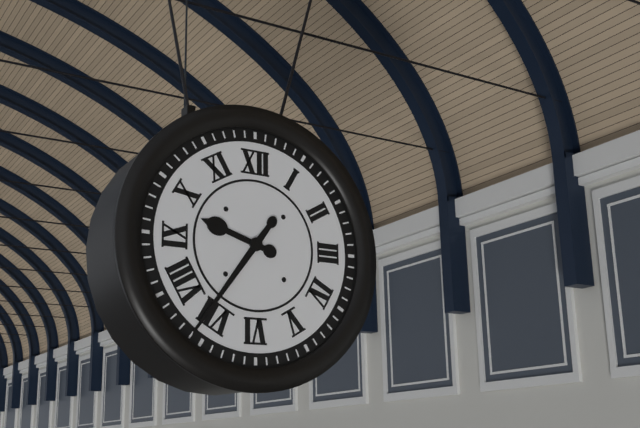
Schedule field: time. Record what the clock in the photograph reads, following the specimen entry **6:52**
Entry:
**9:36**
